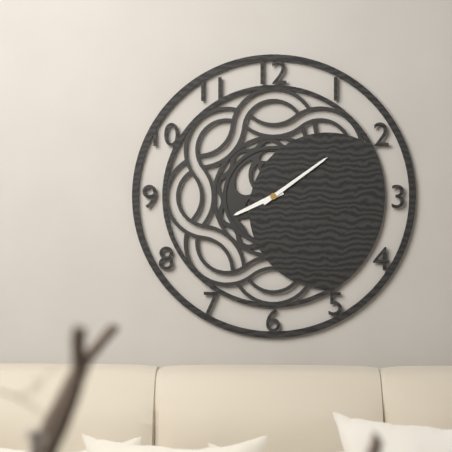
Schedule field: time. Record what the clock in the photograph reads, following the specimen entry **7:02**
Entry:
**8:09**
